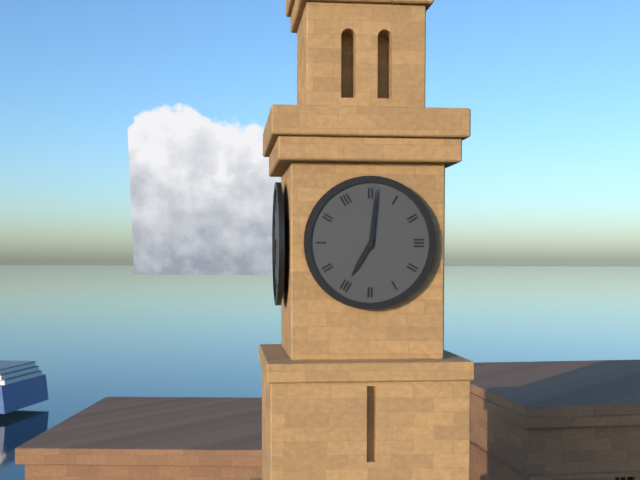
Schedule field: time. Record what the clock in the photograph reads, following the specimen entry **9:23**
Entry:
**7:01**
